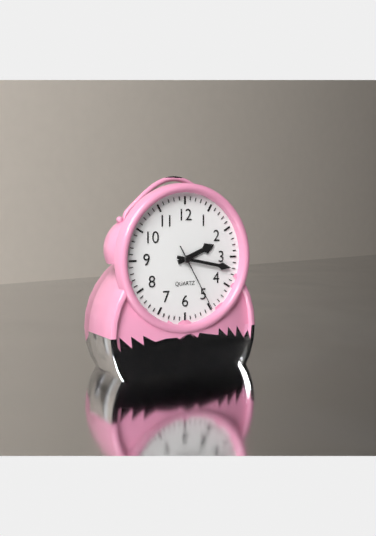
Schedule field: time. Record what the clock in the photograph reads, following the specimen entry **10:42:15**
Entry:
**2:17:25**
